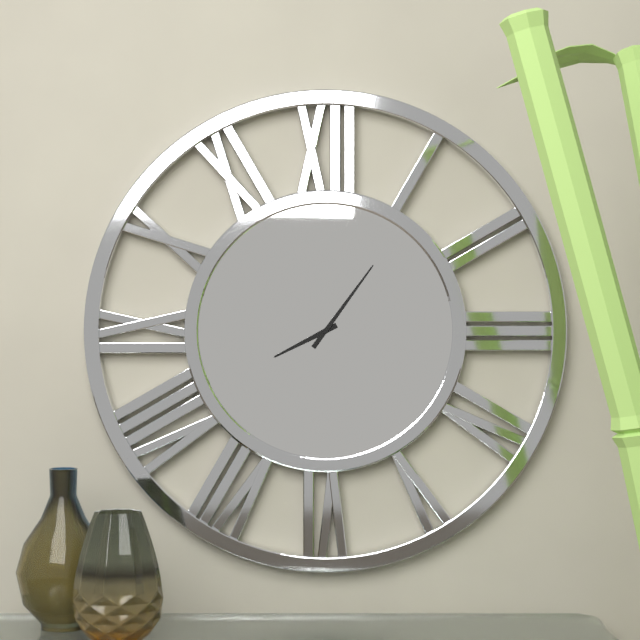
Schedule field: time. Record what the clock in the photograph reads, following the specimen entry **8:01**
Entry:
**8:06**
